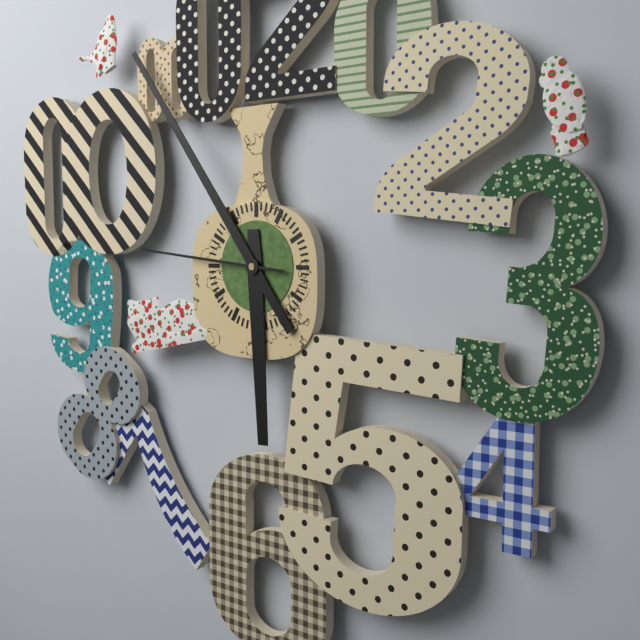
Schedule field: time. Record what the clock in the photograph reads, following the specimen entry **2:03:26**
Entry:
**5:54:46**
